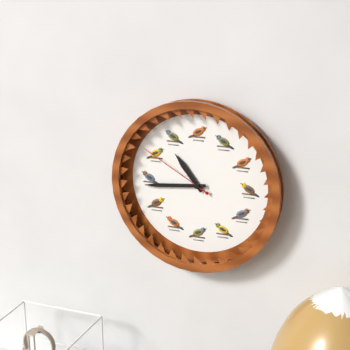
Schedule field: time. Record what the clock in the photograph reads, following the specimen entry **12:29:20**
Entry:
**10:44:50**
